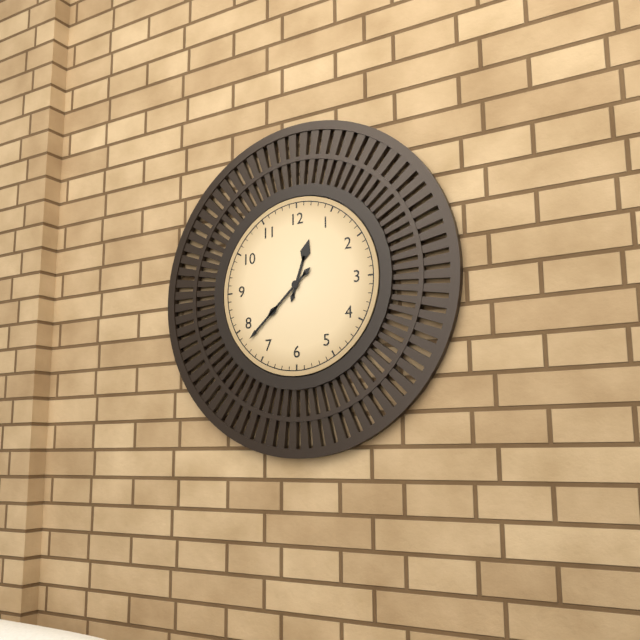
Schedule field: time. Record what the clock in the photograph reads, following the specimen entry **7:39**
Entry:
**12:38**
